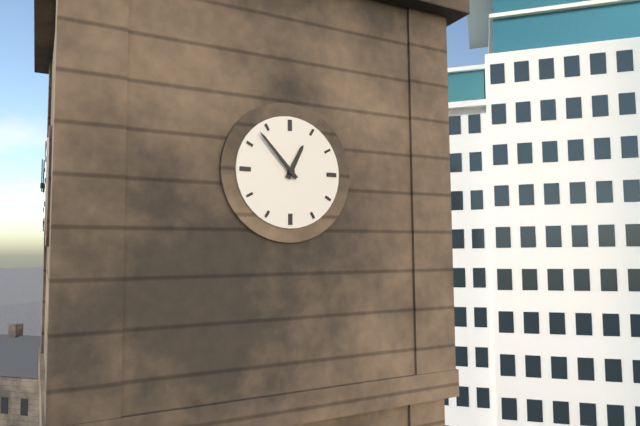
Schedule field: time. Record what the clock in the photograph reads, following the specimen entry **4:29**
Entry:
**12:53**
